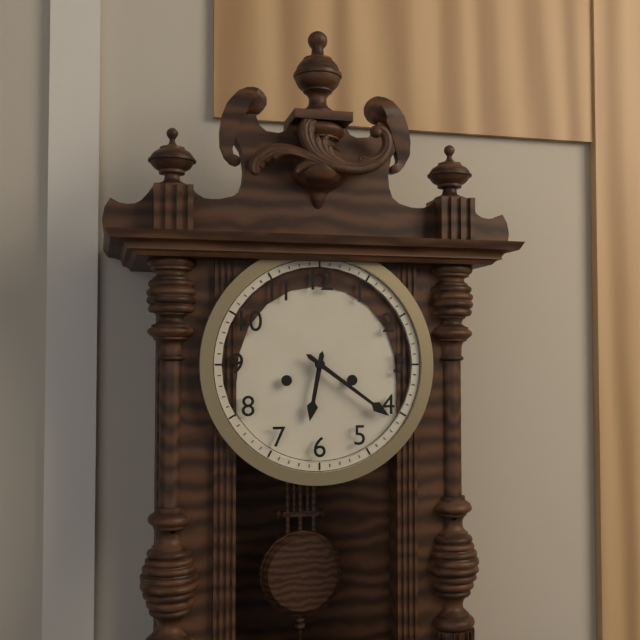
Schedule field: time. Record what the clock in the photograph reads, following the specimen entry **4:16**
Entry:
**6:21**
